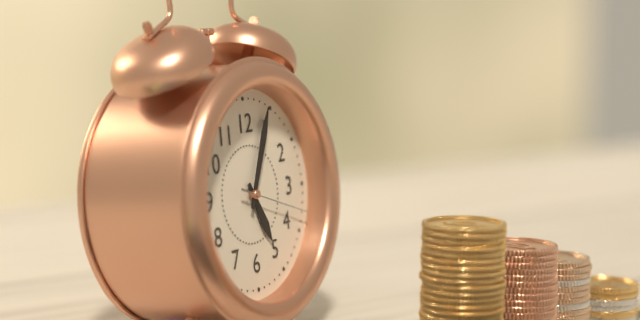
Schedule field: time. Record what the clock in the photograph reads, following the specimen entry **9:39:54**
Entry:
**5:04:18**
